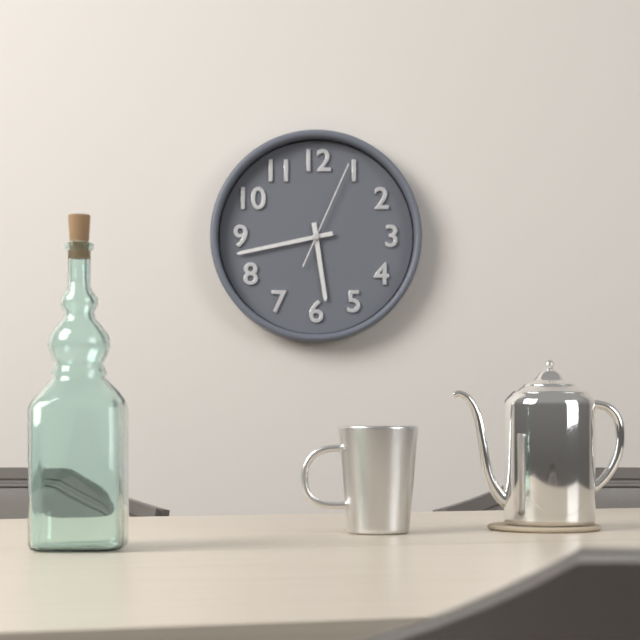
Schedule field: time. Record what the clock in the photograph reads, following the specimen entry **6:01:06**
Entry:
**5:43:04**
